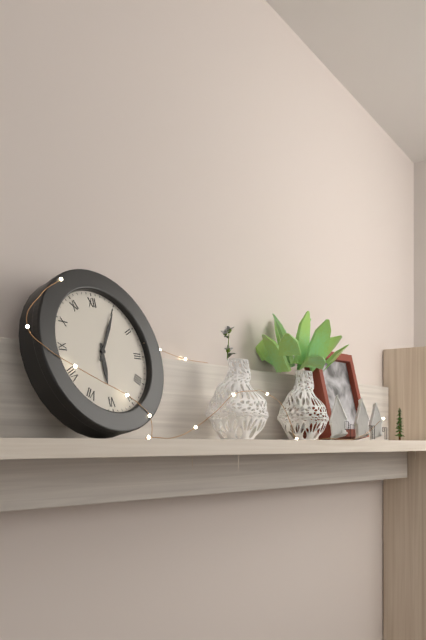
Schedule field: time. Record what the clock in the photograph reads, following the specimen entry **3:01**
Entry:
**6:05**
